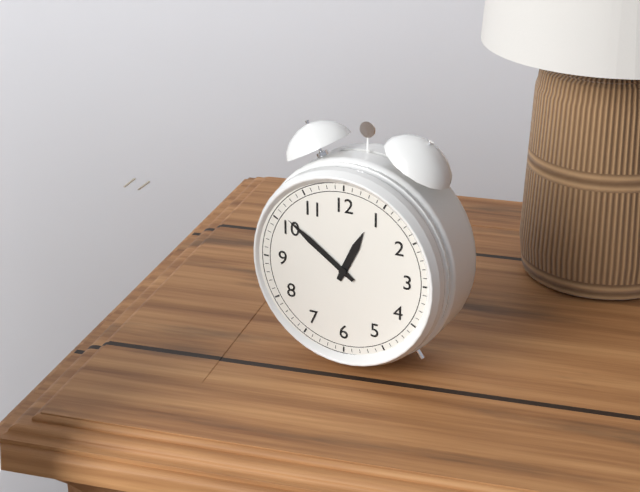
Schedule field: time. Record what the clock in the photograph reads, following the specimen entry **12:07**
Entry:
**12:51**
